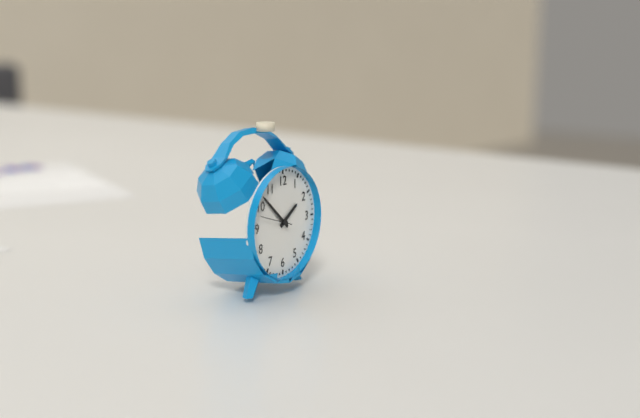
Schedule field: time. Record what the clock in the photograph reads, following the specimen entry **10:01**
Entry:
**1:52**
